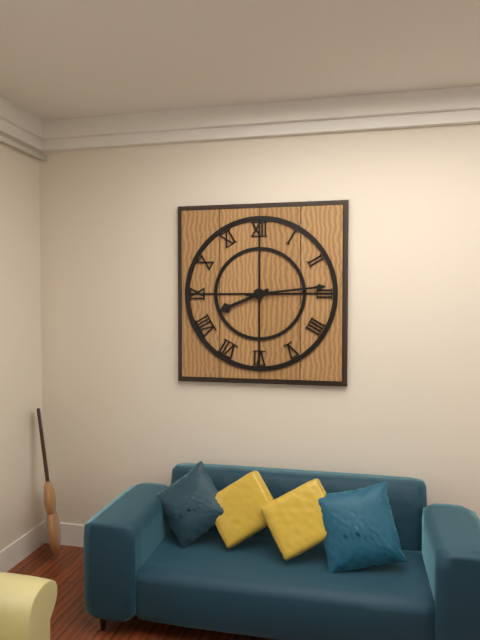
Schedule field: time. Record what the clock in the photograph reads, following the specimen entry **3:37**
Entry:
**8:14**
